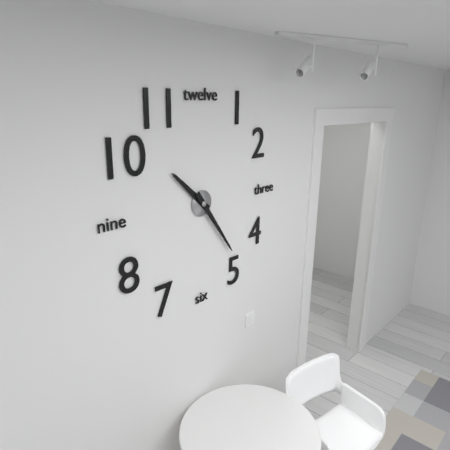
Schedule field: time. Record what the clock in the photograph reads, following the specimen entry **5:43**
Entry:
**10:24**
